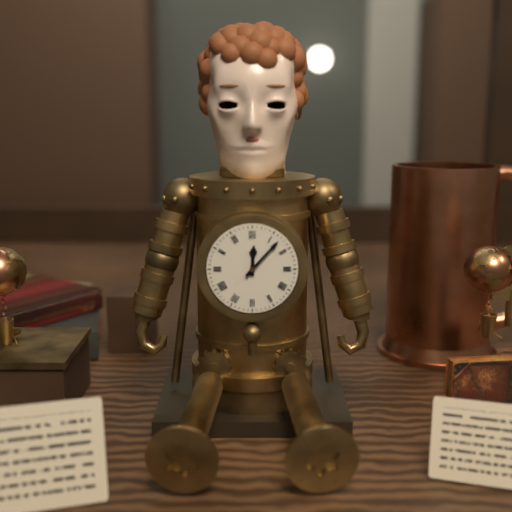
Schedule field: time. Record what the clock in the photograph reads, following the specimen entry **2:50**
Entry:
**12:07**
